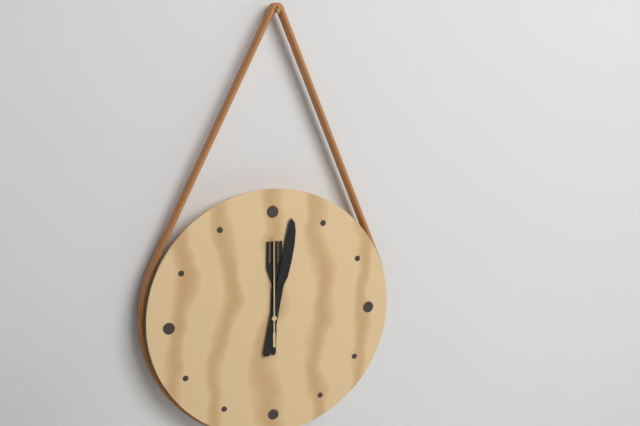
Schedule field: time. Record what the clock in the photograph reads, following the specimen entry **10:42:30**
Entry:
**12:02:00**
